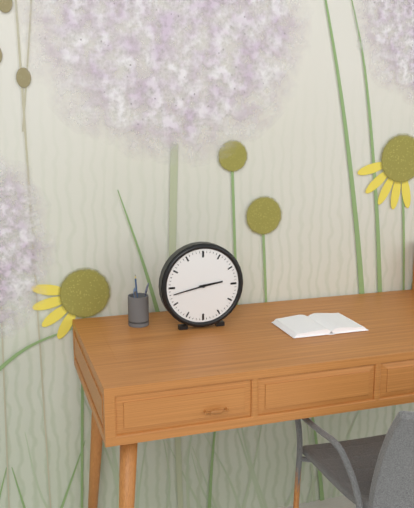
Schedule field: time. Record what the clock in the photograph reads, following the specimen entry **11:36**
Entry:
**2:43**
